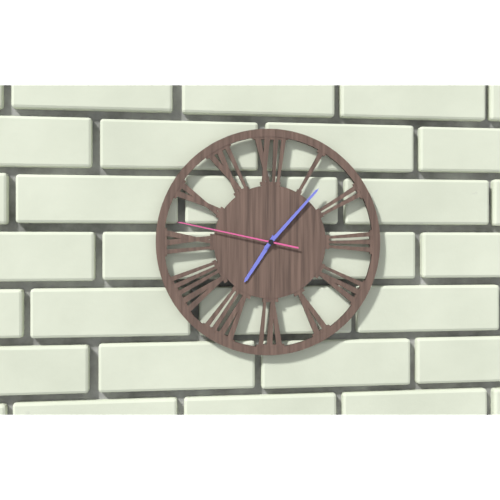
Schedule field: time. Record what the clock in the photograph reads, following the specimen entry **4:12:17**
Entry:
**7:07:47**
